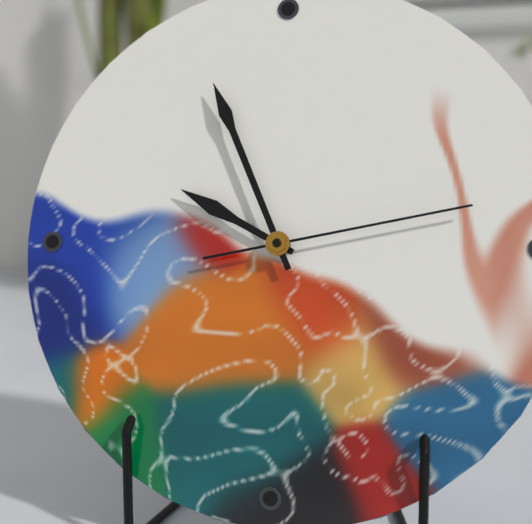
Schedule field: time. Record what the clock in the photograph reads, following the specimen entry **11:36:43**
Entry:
**9:56:13**
